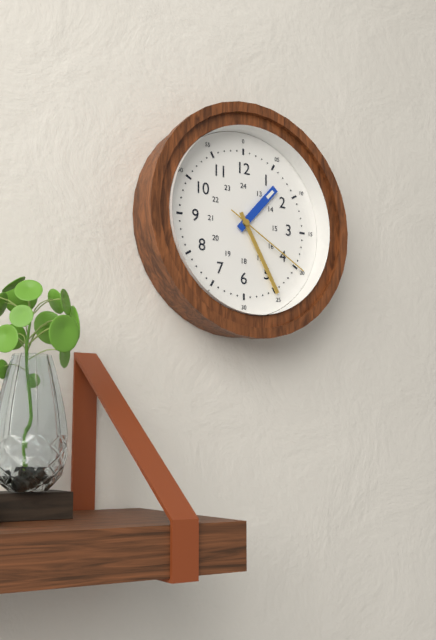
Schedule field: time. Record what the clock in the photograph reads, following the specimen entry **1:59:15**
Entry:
**1:25:20**
